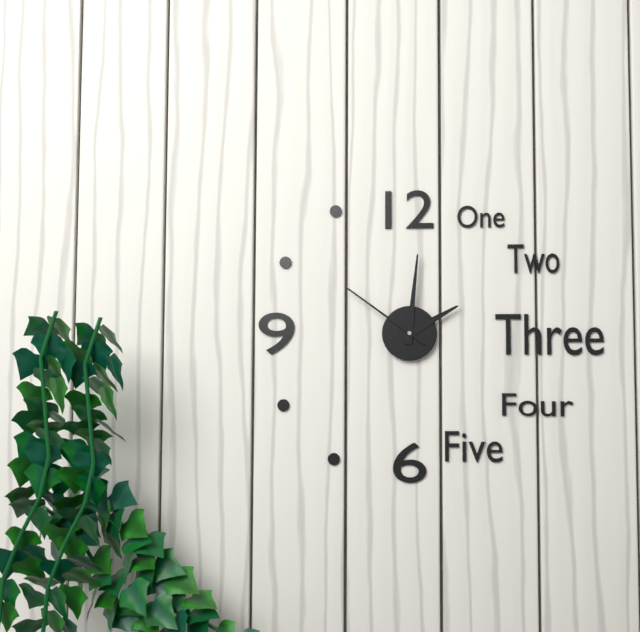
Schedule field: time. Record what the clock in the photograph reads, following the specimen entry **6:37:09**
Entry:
**2:01:51**
